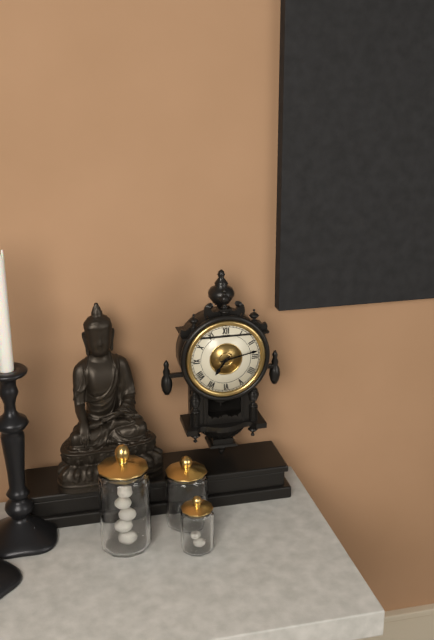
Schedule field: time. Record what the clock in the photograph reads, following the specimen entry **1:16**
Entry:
**7:13**
